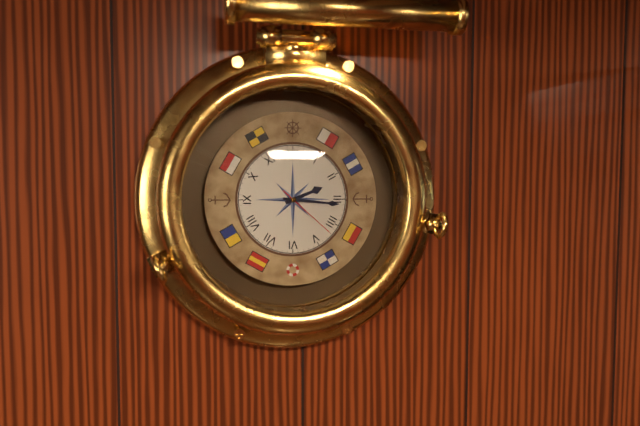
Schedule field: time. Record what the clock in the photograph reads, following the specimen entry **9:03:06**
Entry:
**2:16:22**
